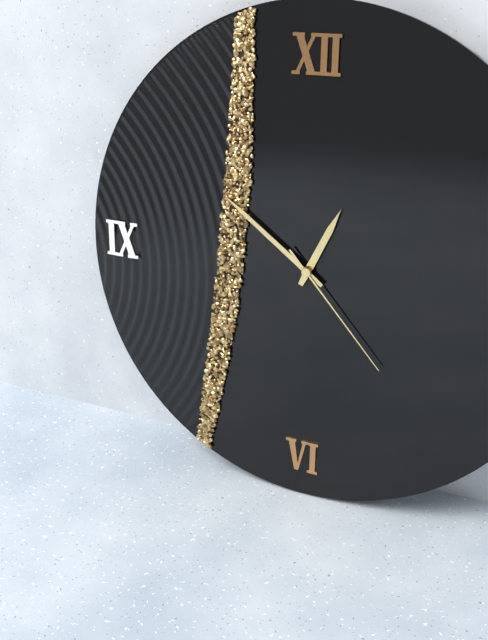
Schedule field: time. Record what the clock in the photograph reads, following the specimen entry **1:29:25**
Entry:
**12:51:23**
